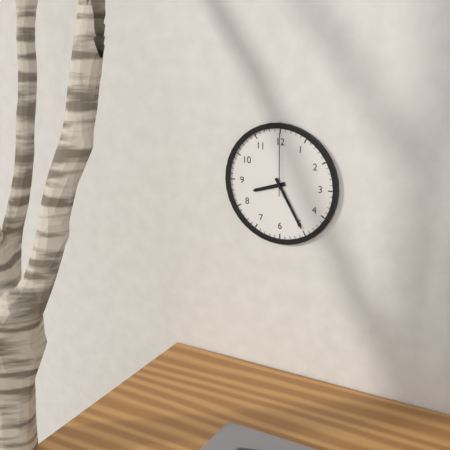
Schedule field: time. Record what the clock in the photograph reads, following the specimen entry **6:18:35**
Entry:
**8:25:00**
